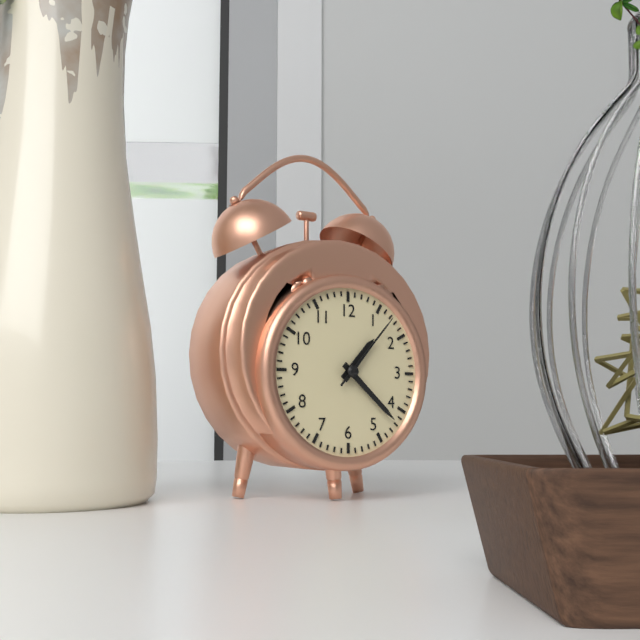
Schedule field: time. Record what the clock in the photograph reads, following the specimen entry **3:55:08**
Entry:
**1:22:07**
